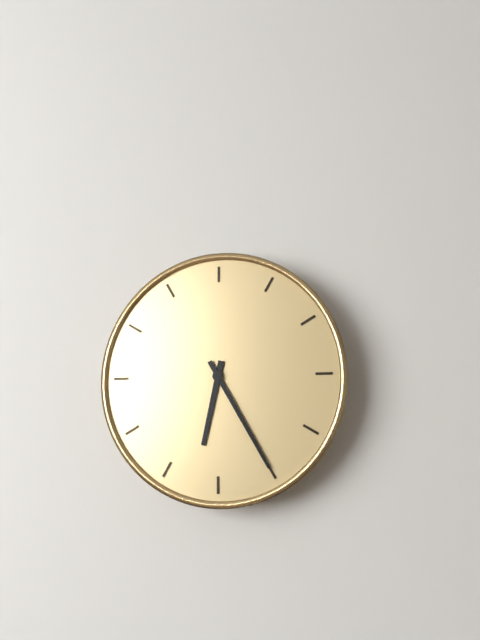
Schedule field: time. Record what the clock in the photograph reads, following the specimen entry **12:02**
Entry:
**6:25**
